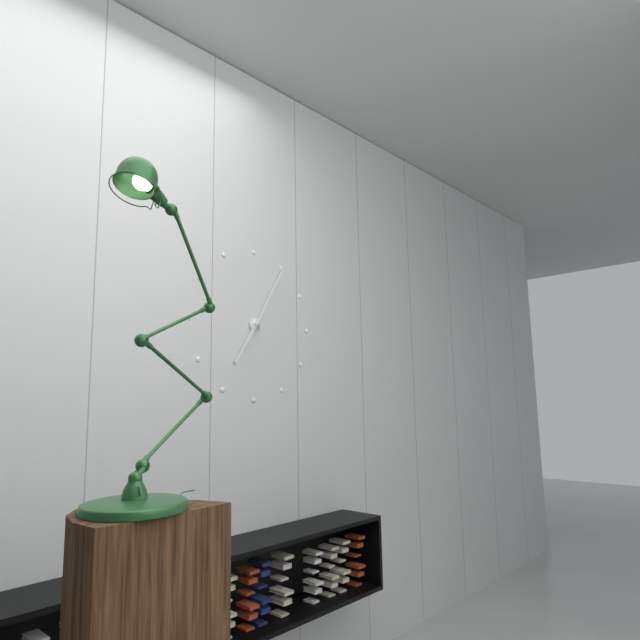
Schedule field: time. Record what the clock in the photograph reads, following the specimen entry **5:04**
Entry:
**7:05**
